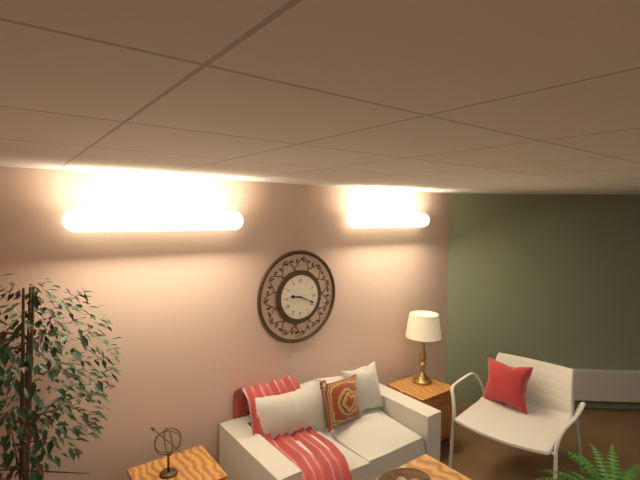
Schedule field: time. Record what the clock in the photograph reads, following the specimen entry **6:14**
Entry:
**9:19**
